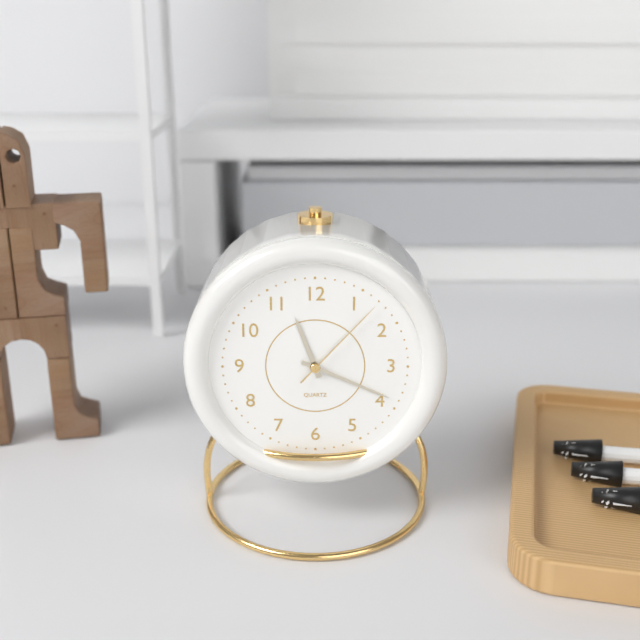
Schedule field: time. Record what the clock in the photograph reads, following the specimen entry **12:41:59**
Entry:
**11:19:07**
